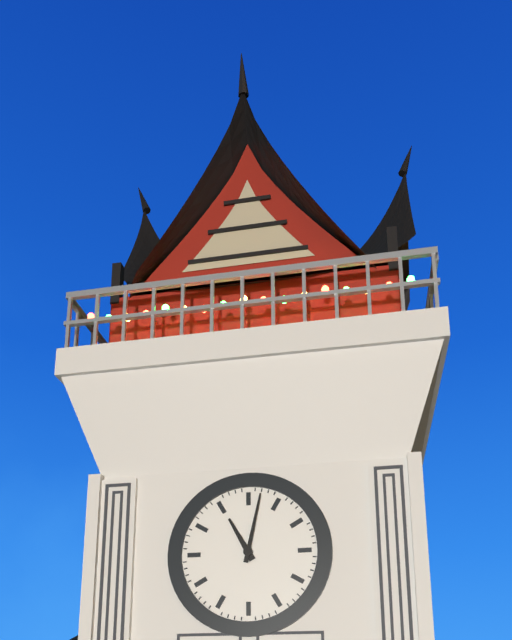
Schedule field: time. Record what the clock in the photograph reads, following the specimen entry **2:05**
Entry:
**11:02**
